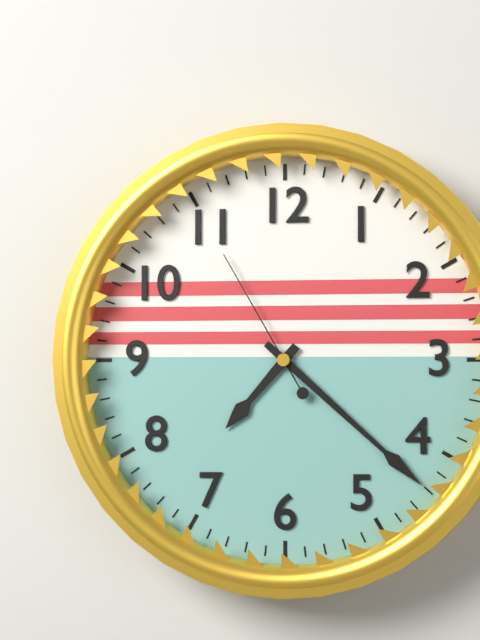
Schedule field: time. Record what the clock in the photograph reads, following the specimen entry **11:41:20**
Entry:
**7:22:55**
